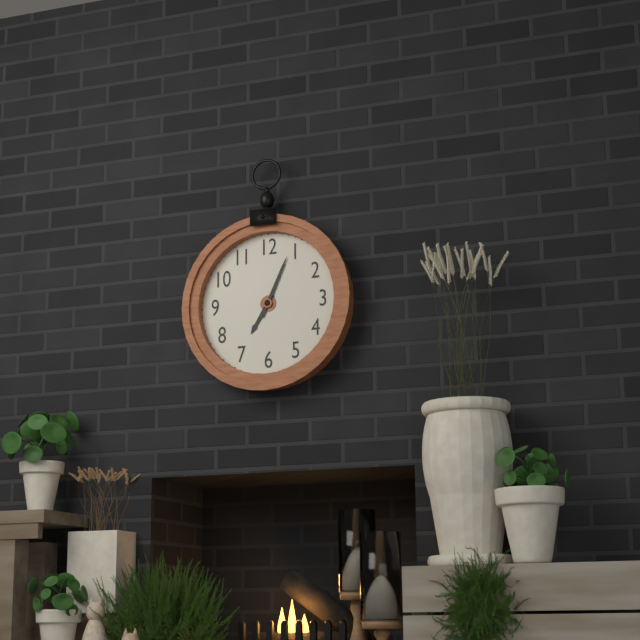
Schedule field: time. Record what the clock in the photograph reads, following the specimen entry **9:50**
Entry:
**7:04**
